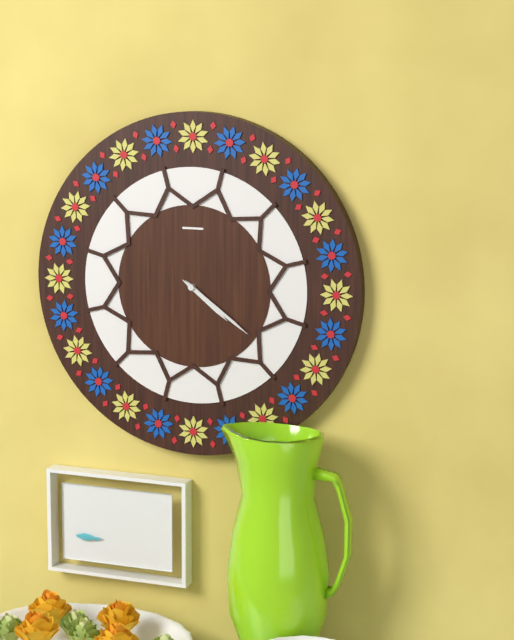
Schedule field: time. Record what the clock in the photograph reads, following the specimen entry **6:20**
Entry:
**4:21**
